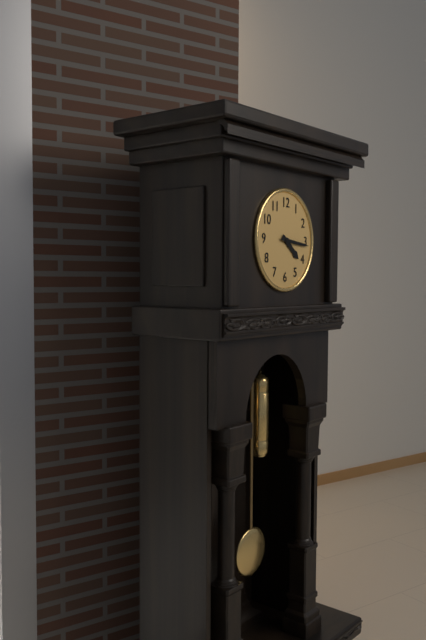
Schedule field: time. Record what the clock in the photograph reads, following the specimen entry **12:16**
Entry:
**4:16**
